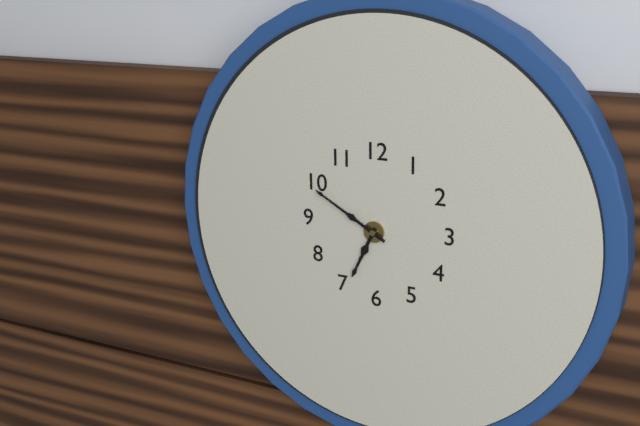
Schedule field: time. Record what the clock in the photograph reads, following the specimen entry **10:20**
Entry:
**6:50**
